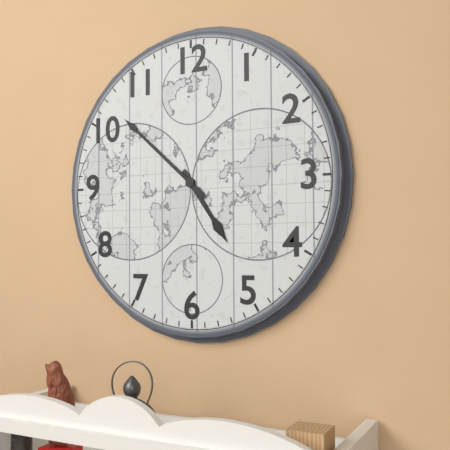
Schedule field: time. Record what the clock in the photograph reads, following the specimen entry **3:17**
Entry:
**4:52**
